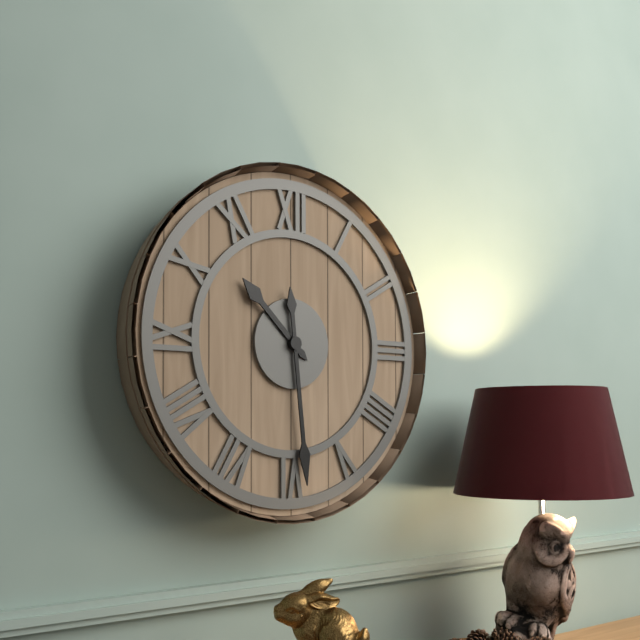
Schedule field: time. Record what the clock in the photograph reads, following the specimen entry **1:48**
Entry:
**10:29**
